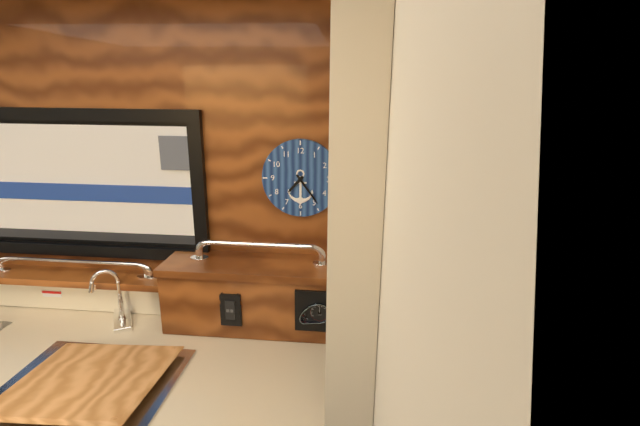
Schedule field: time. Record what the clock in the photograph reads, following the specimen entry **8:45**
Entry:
**7:24**
